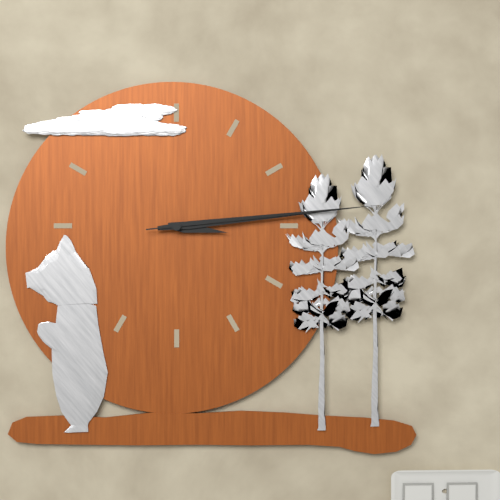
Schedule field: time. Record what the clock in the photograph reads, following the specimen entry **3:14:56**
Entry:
**3:14:14**
